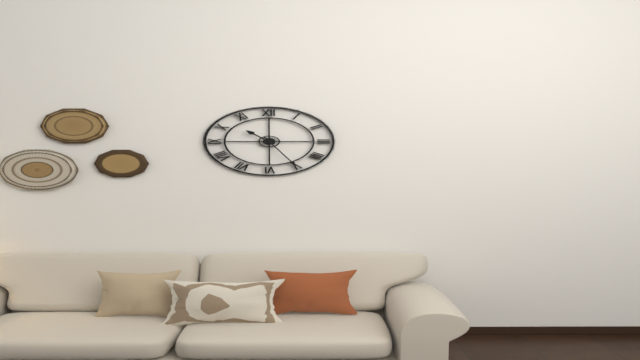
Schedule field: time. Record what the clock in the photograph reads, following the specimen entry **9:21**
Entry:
**10:25**
